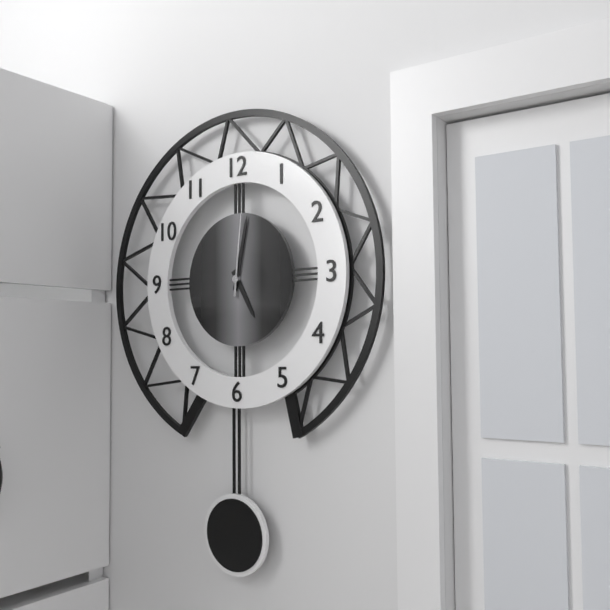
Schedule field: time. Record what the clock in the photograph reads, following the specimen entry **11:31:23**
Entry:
**5:02:01**
